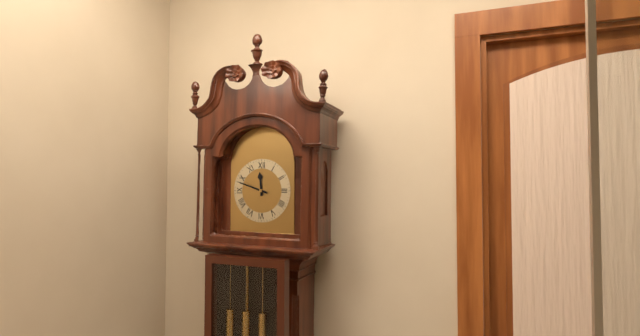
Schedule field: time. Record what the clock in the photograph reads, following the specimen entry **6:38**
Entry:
**11:48**
